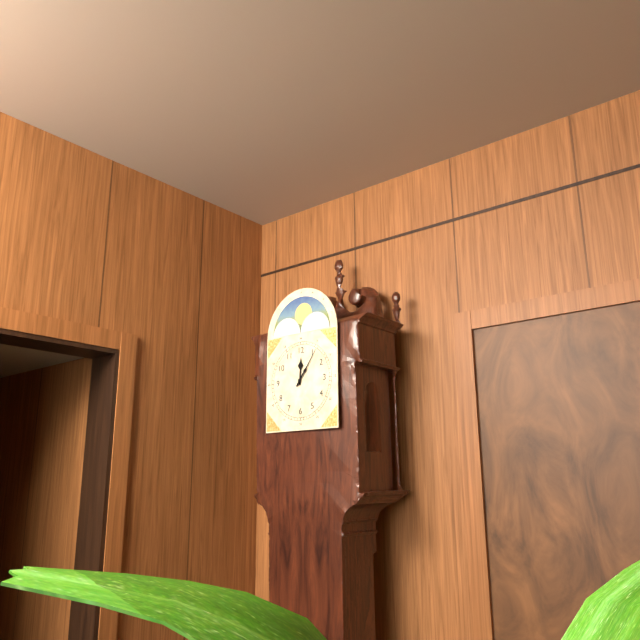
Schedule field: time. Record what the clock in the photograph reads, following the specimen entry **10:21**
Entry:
**12:06**
